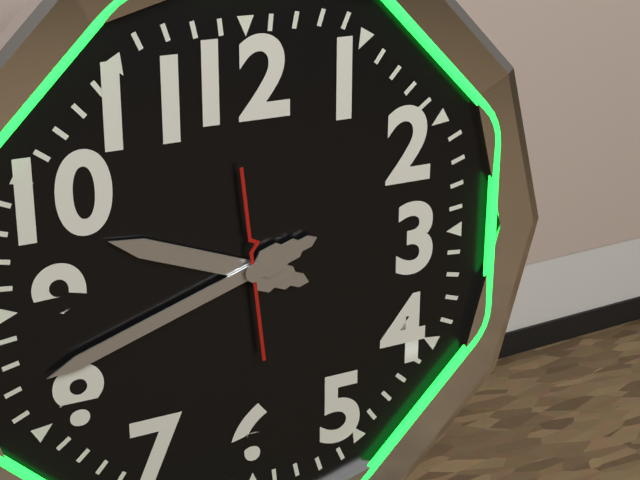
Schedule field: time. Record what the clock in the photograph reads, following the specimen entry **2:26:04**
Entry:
**9:42:59**
